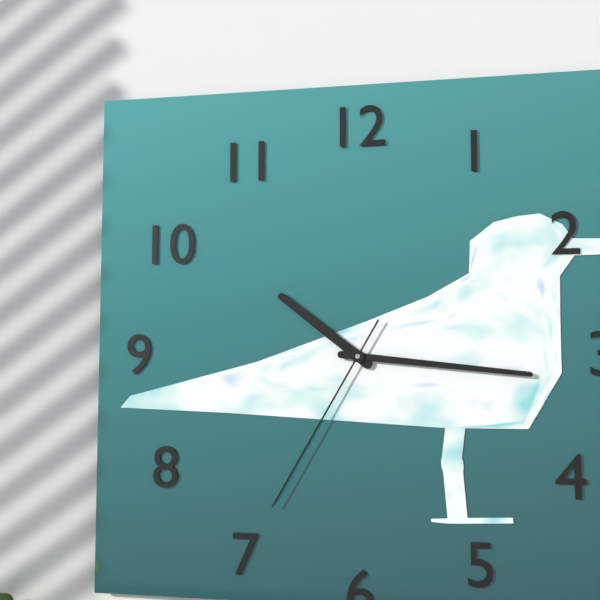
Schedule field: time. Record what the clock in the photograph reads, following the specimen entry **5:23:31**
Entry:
**10:16:35**
